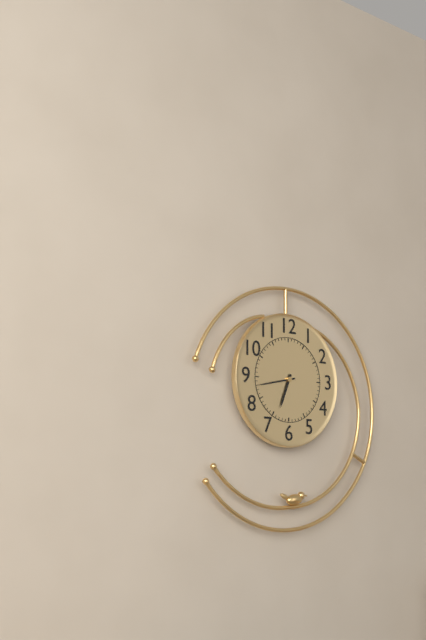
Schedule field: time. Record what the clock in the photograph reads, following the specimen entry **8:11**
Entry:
**6:43**
